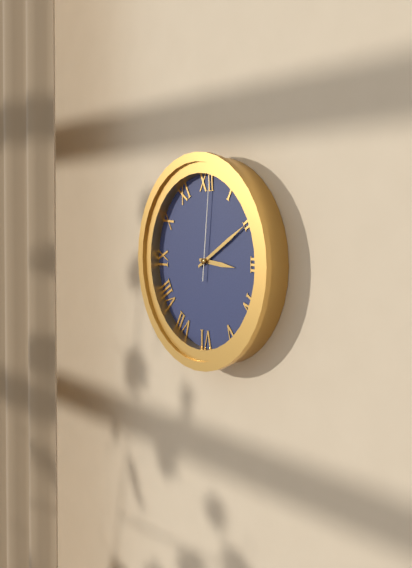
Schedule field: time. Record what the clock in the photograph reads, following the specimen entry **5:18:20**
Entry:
**3:10:01**
